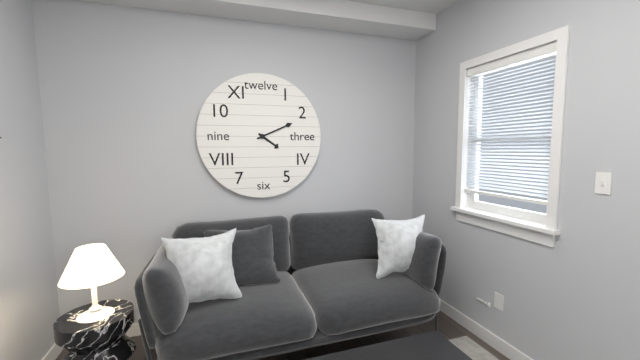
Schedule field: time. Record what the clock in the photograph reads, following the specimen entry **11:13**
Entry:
**4:11**
